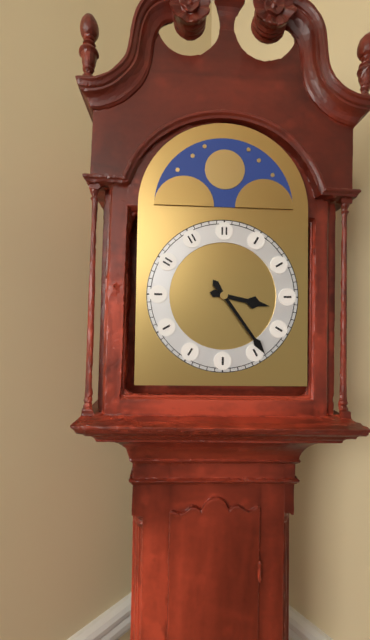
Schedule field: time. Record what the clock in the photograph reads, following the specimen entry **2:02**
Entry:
**3:24**
